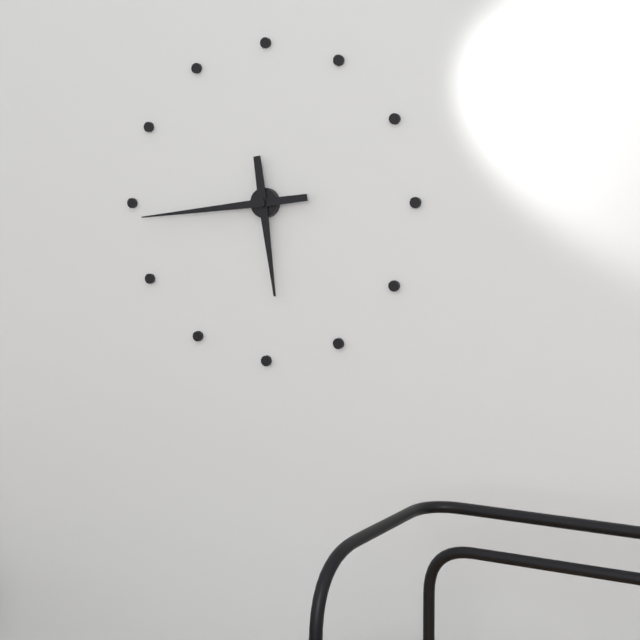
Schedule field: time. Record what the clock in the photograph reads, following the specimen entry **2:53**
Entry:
**5:44**
